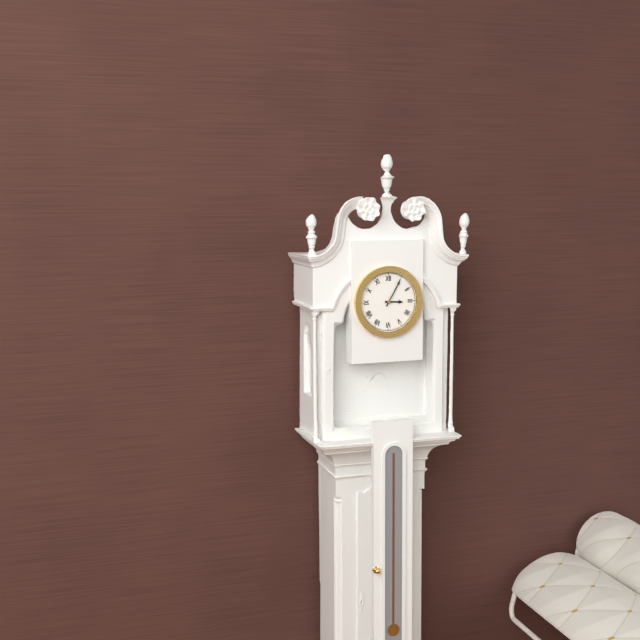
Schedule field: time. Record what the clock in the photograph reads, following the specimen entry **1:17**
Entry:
**3:05**
